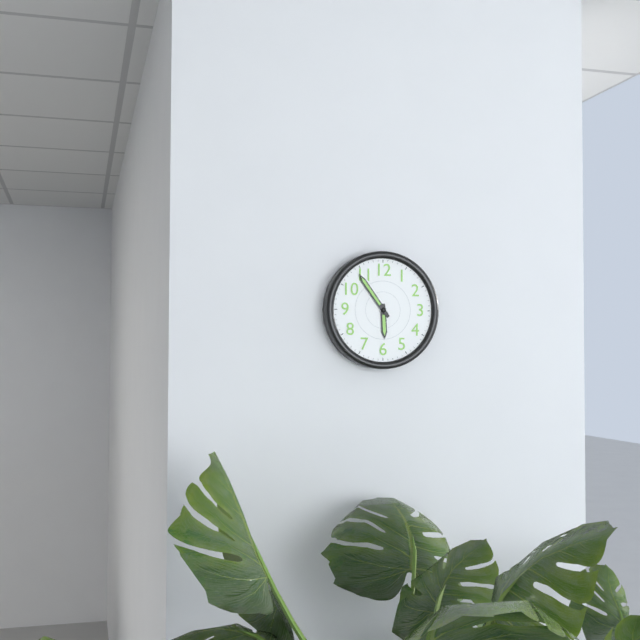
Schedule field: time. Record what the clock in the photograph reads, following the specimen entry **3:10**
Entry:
**5:54**
